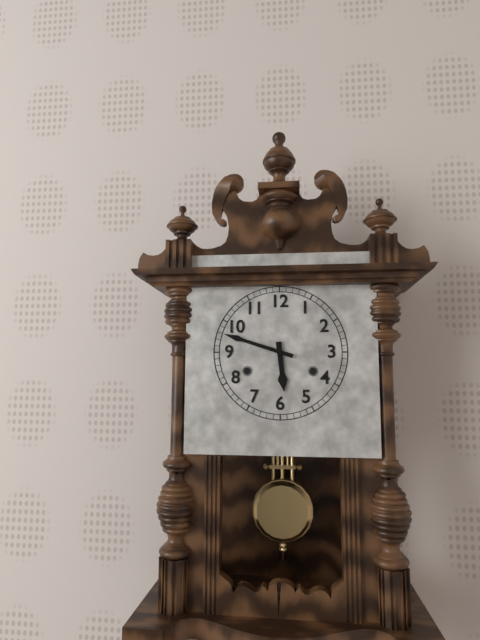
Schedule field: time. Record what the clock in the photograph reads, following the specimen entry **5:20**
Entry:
**5:48**
